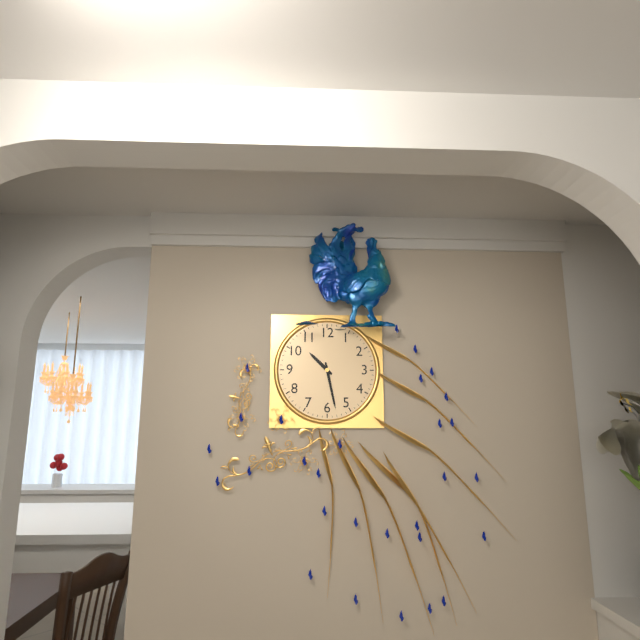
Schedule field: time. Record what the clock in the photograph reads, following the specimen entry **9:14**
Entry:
**10:28**
